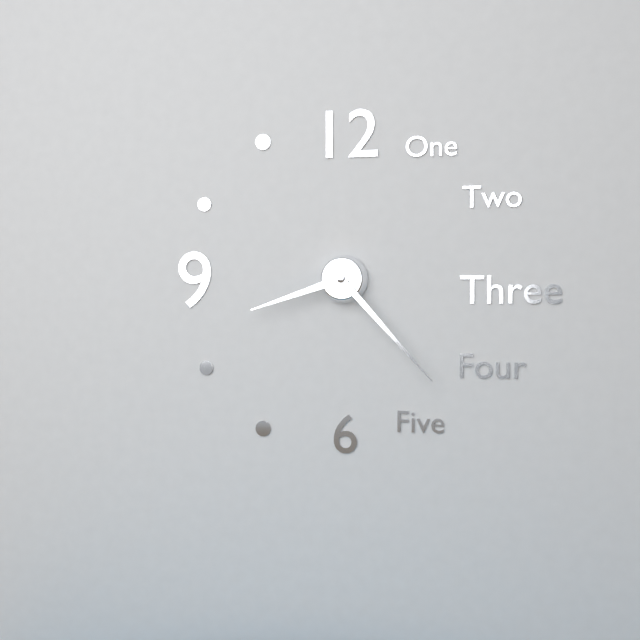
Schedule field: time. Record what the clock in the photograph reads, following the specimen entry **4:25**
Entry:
**8:23**
